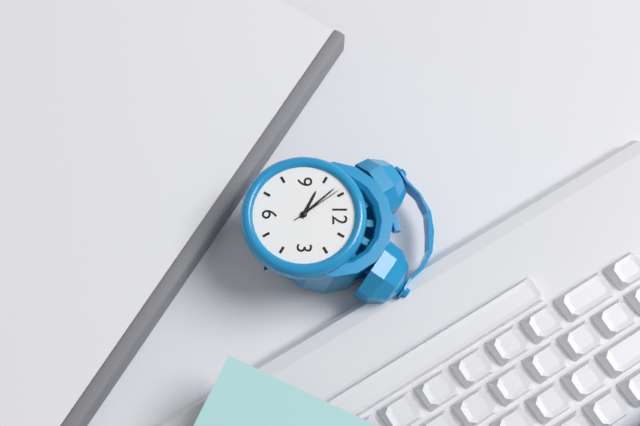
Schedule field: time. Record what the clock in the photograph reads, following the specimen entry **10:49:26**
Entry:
**9:53:54**
